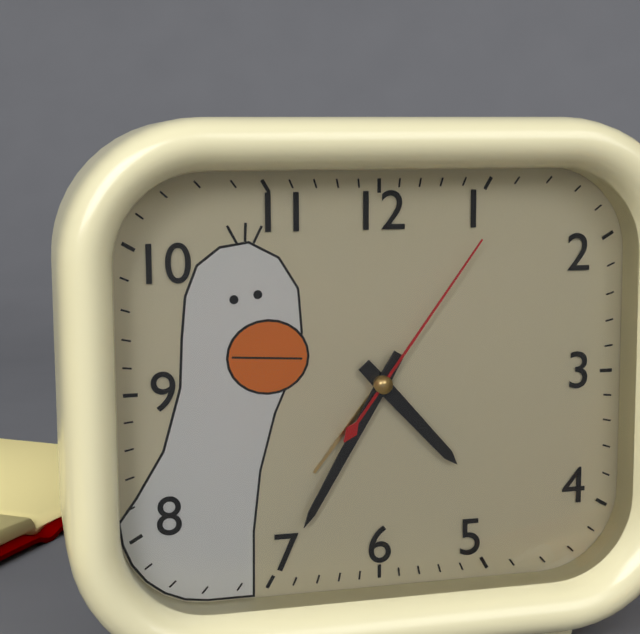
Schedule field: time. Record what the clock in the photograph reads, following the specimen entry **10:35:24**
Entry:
**4:35:06**
